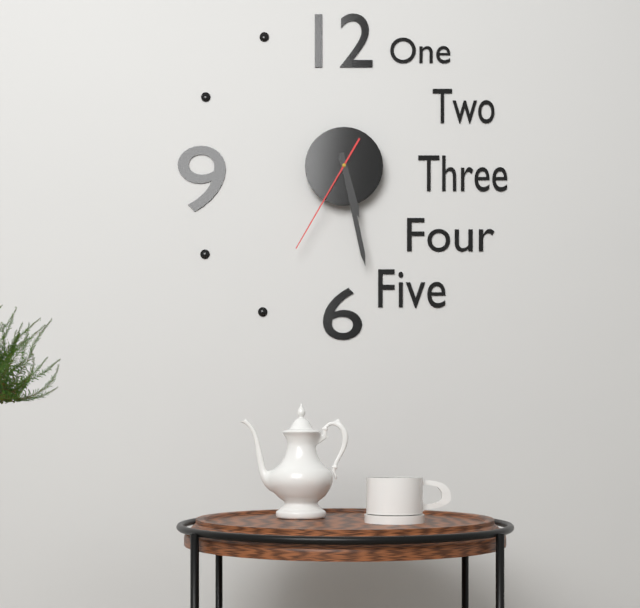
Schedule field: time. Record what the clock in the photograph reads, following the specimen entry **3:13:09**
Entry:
**5:28:35**
